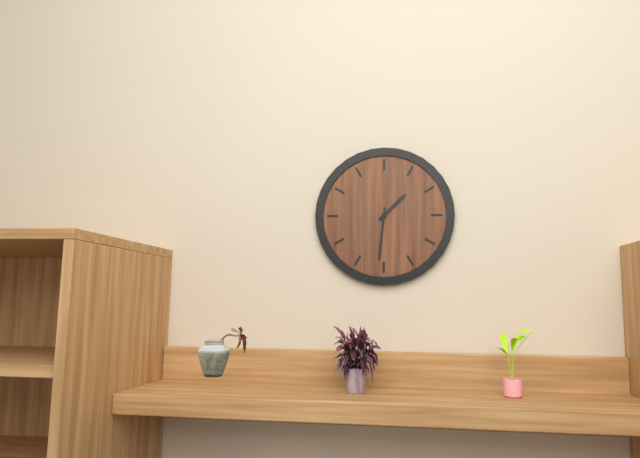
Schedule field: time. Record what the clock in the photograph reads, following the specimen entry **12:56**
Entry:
**1:31**
